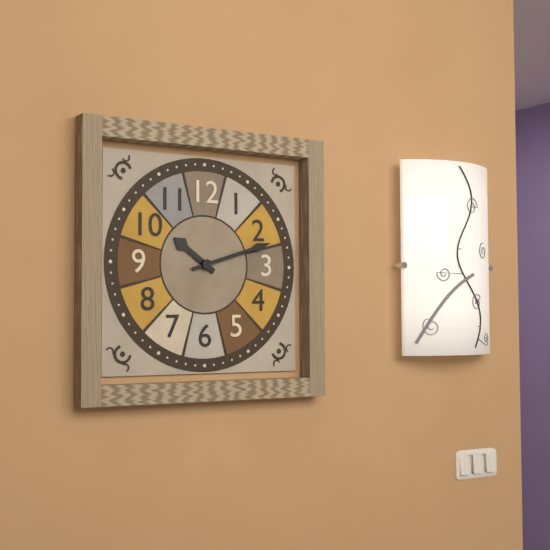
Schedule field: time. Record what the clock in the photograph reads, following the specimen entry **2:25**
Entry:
**10:12**
